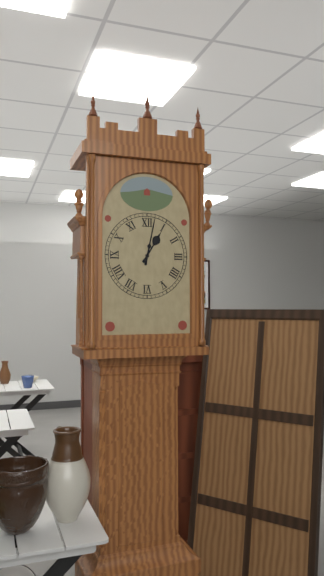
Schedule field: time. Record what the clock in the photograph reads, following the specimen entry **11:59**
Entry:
**1:02**
